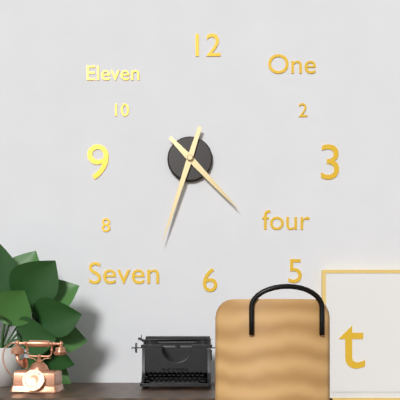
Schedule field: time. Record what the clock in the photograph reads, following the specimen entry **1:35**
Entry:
**4:33**
